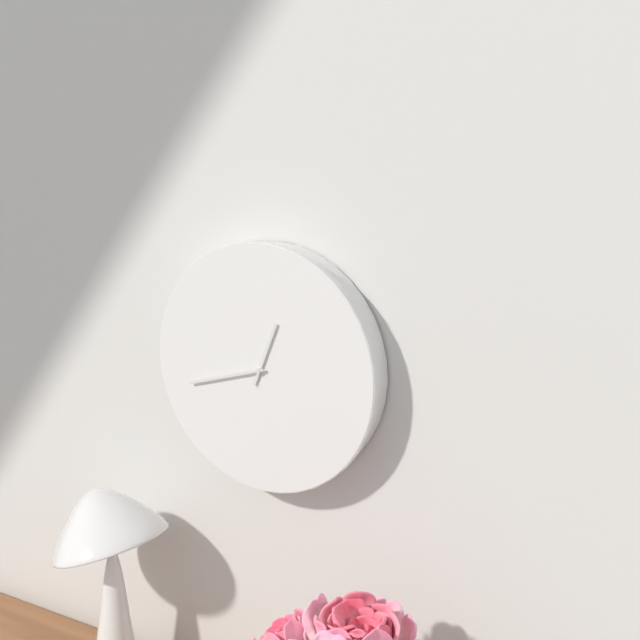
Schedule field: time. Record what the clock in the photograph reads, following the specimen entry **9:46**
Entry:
**12:42**
